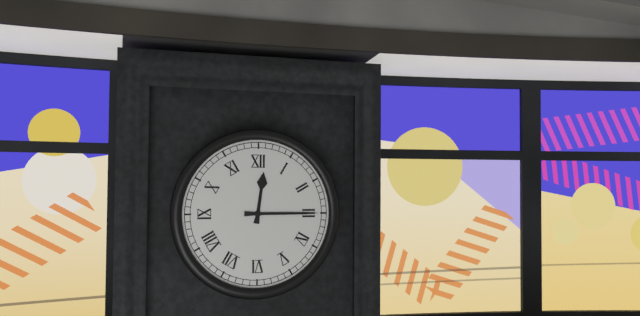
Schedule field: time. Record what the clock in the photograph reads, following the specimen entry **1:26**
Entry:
**12:15**
